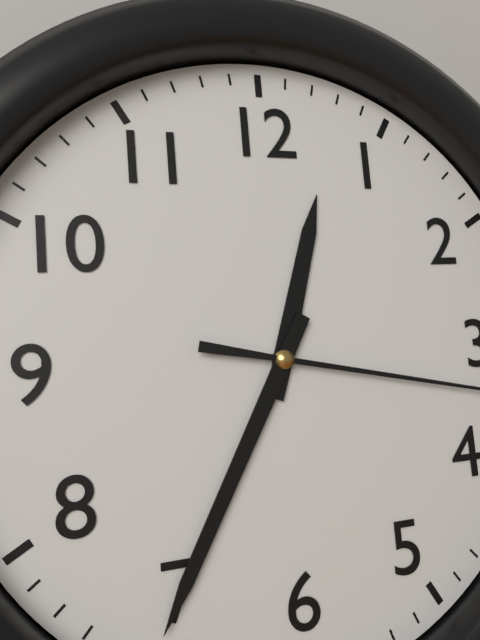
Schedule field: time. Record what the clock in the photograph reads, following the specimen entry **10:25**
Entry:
**12:35**
